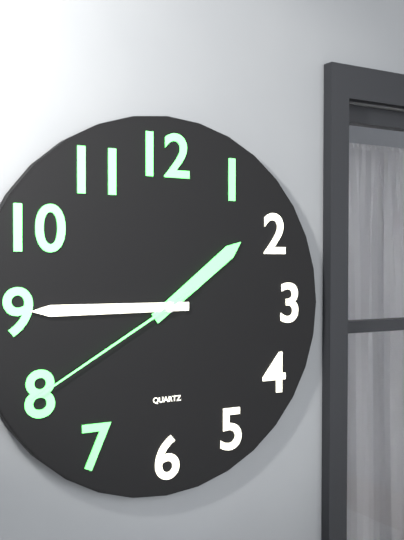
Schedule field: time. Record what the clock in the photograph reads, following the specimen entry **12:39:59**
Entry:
**1:45:40**
